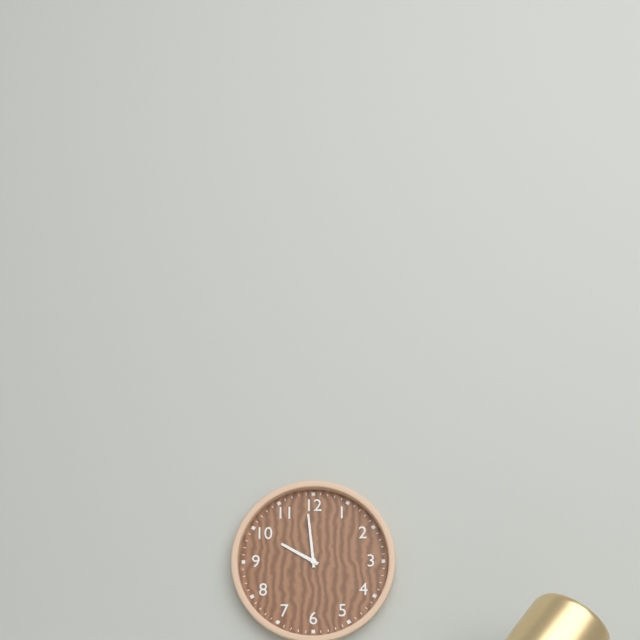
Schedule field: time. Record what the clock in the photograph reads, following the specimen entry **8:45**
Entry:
**9:59**
